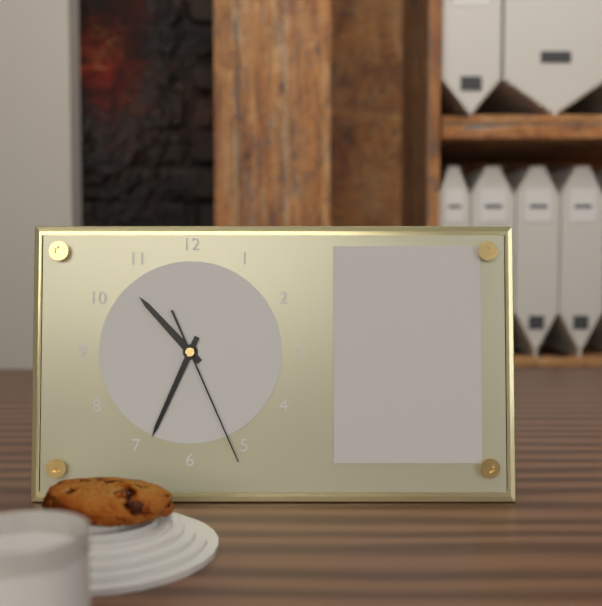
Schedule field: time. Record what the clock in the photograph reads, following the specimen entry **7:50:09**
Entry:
**10:34:26**
